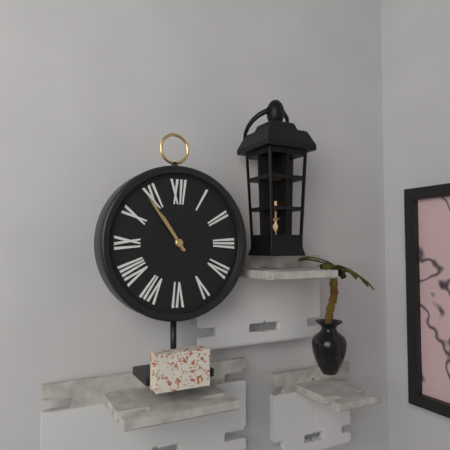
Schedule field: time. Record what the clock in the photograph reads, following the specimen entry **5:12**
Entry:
**10:54**
